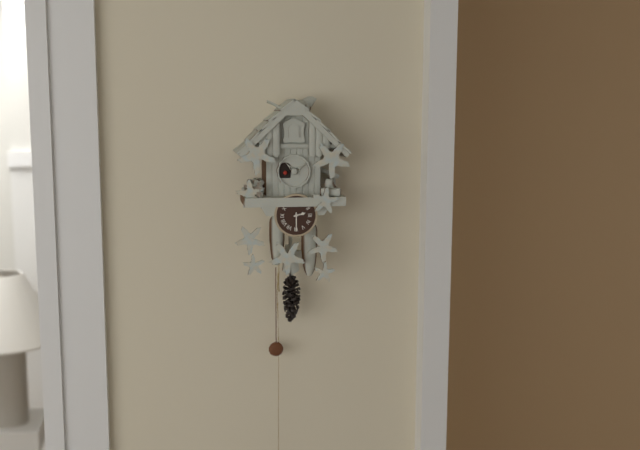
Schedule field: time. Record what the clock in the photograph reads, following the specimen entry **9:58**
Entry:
**2:30**
